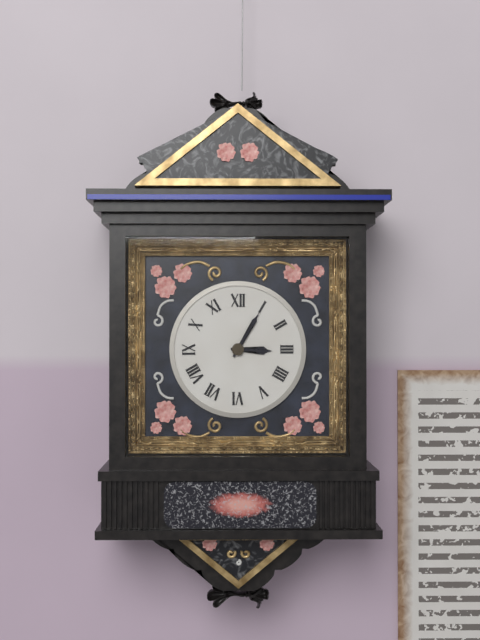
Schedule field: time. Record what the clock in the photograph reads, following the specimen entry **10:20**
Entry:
**3:05**
